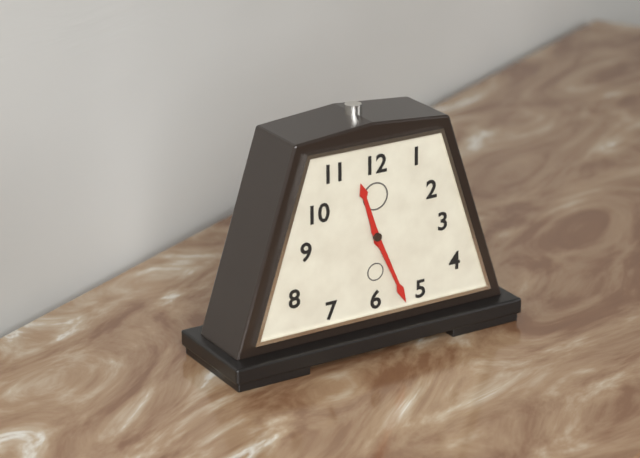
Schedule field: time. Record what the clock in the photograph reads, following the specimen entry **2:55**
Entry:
**11:26**
